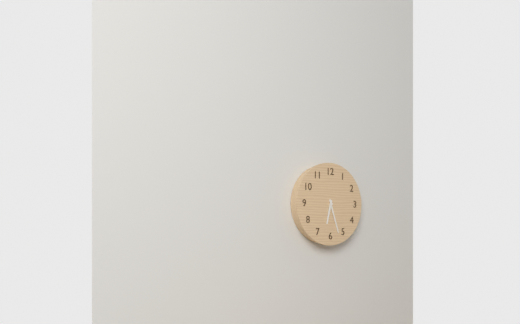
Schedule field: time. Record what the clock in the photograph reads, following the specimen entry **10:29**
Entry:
**6:27**
